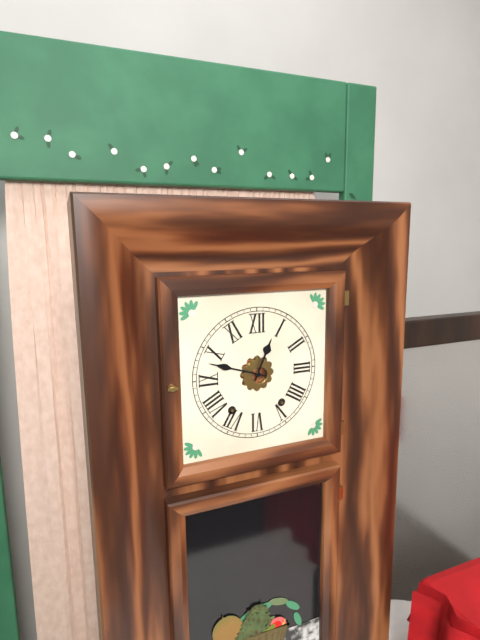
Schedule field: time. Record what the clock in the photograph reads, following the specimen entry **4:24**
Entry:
**12:48**
